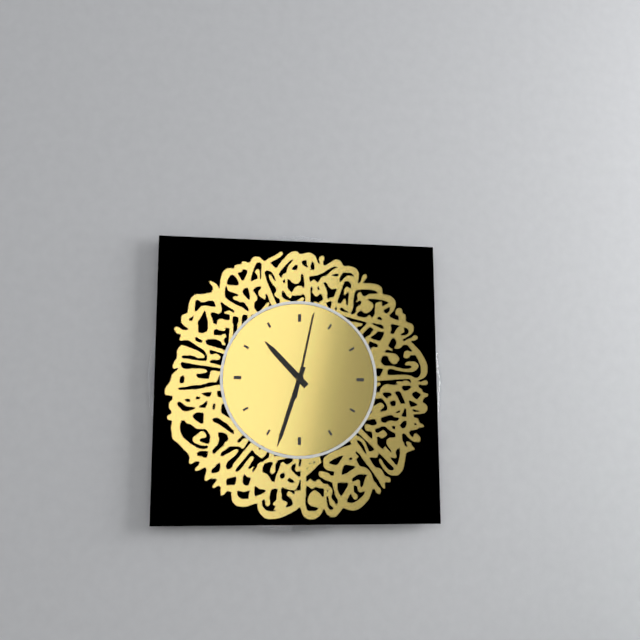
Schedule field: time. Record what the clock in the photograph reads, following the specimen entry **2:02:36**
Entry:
**10:33:02**
